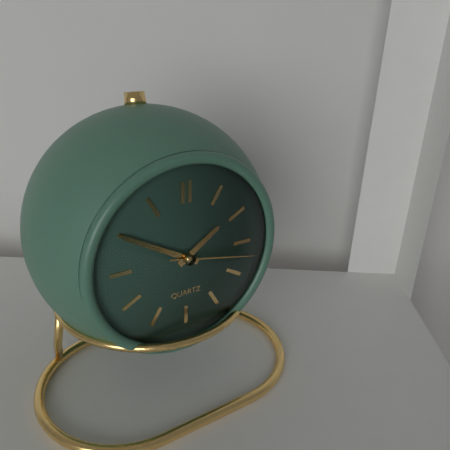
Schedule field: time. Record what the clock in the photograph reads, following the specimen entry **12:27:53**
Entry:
**1:50:17**
